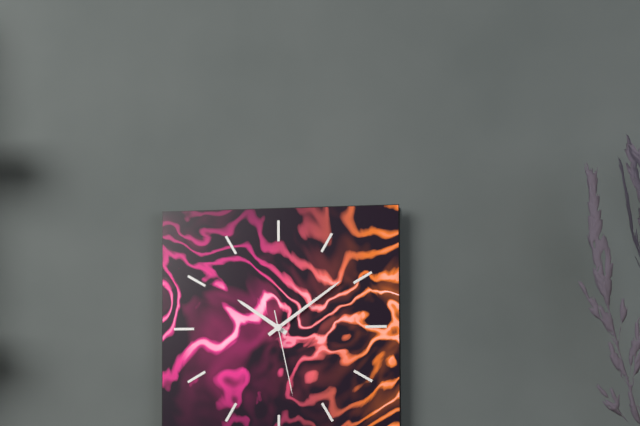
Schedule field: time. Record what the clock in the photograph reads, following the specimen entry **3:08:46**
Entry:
**10:09:28**
